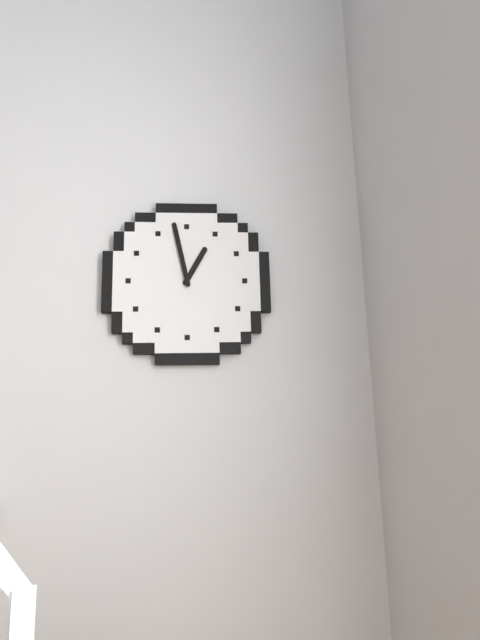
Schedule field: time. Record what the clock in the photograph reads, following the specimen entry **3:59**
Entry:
**12:58**
